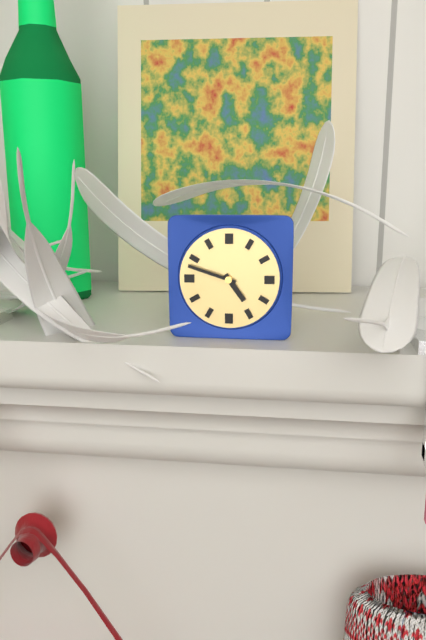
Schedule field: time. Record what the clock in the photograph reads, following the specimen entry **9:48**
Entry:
**4:48**
